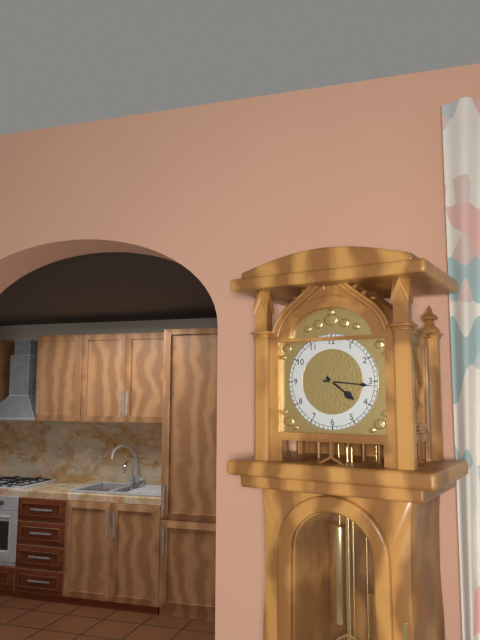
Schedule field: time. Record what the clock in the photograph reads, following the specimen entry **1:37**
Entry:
**4:16**
